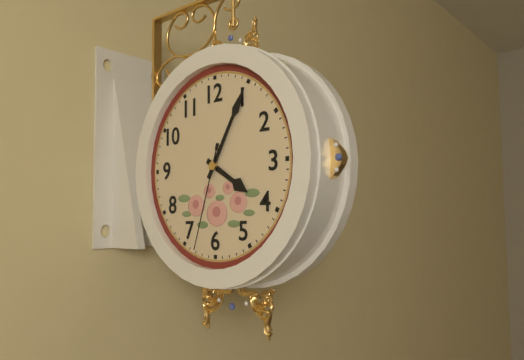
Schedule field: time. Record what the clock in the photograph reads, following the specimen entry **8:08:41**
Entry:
**4:05:33**
